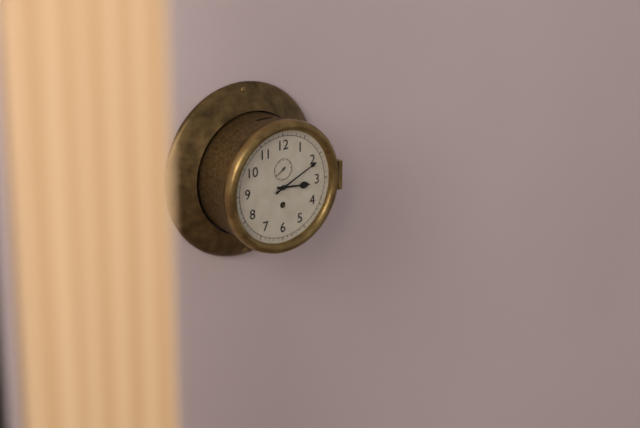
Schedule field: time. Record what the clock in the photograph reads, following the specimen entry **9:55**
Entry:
**3:11**
